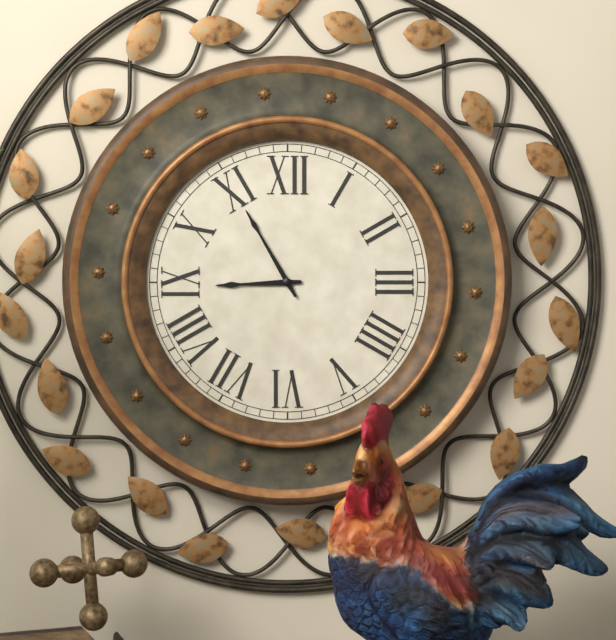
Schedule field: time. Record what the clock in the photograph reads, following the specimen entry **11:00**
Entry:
**8:55**
